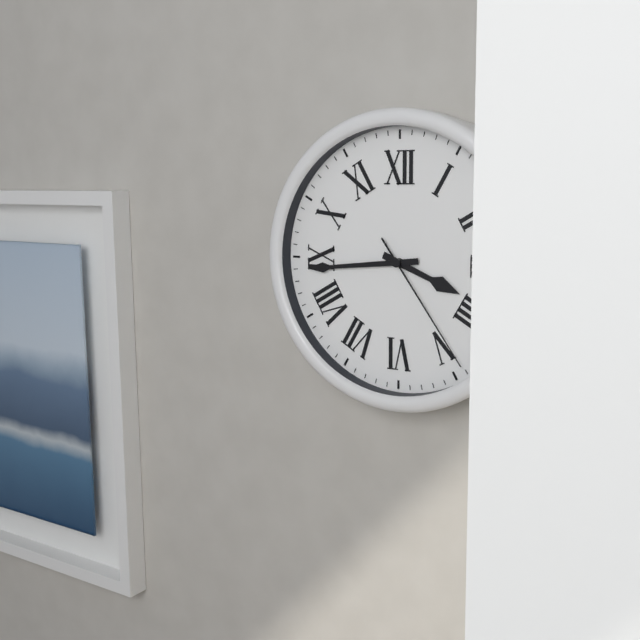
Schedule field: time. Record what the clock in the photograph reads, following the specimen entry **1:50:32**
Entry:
**3:44:24**
